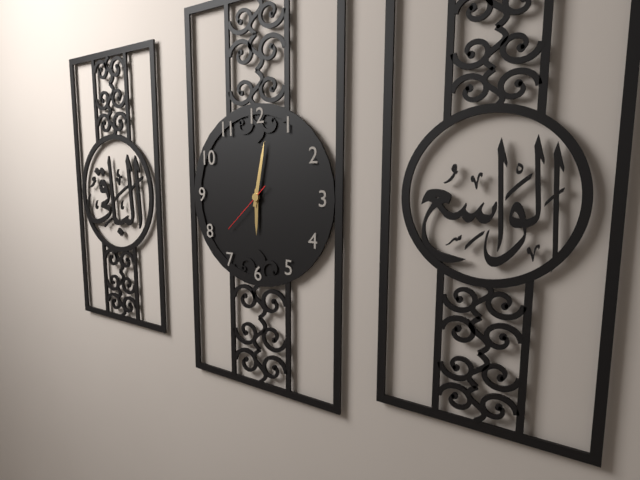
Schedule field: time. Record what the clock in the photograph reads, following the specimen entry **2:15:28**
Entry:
**6:02:38**
